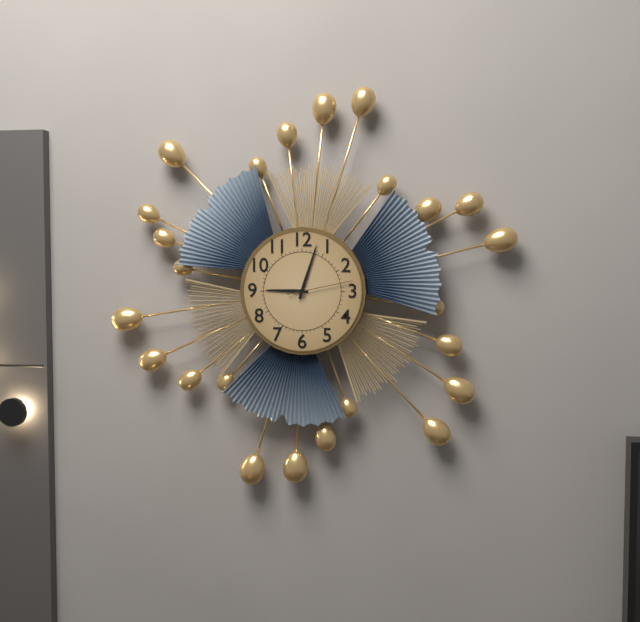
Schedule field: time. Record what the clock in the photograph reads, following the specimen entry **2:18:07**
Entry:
**9:03:13**
